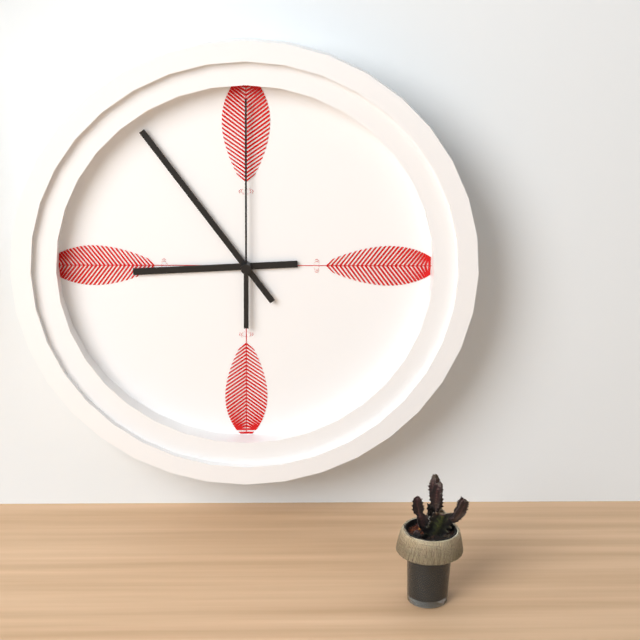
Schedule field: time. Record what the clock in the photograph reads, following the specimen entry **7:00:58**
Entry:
**8:54:00**
